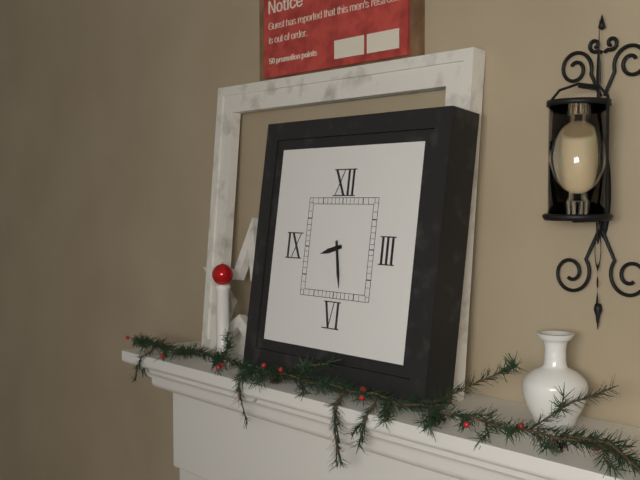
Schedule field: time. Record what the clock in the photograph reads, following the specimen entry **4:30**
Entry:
**8:28**
